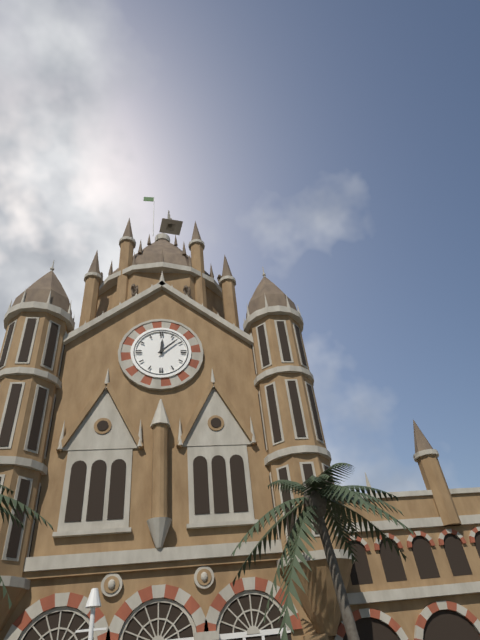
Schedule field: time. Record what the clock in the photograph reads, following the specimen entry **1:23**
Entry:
**12:08**
